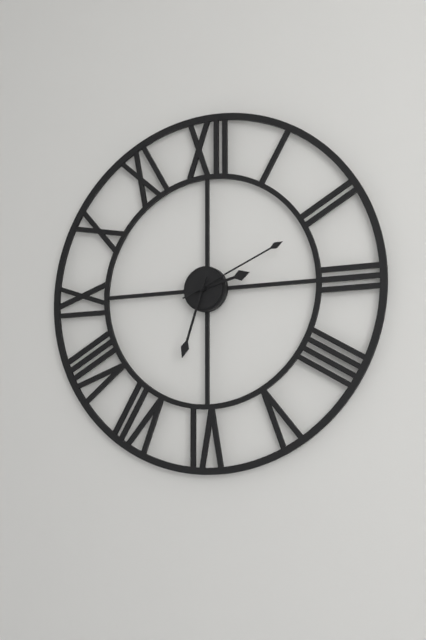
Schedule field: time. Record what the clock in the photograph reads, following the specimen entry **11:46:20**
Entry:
**2:33:11**
